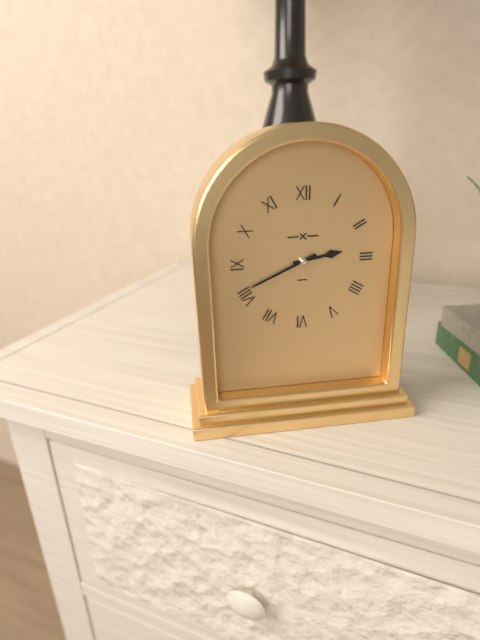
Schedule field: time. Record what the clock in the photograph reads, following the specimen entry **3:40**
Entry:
**2:41**
